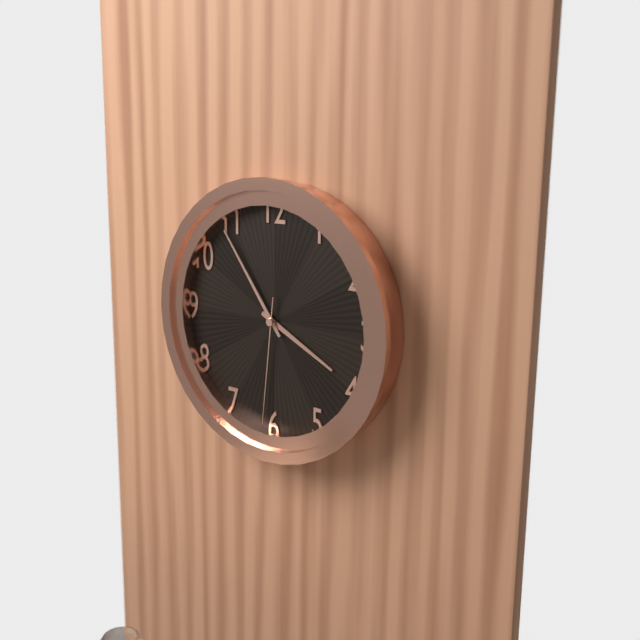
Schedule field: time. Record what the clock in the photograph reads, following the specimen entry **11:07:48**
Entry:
**3:54:31**
